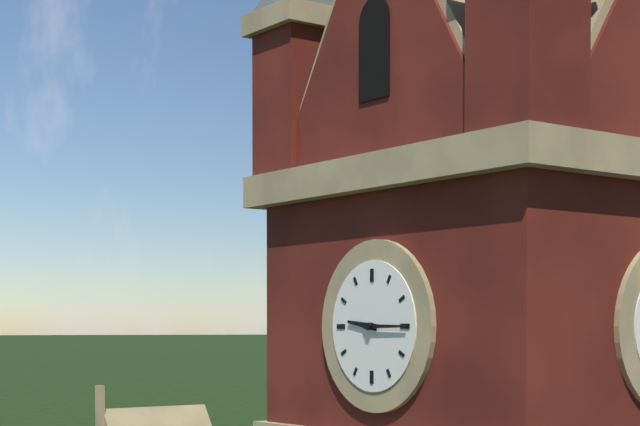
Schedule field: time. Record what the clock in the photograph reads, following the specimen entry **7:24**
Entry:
**9:15**
